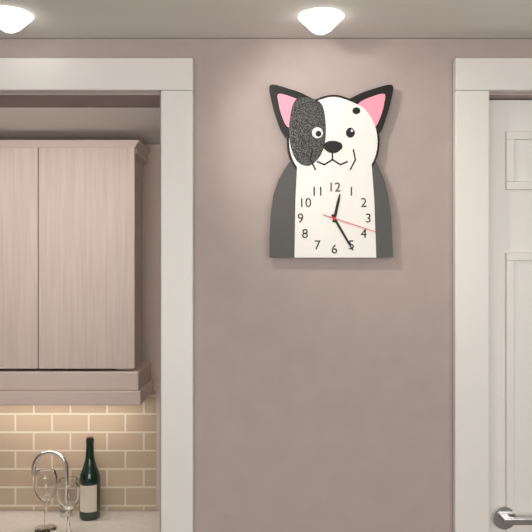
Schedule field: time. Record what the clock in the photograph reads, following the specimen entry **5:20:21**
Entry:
**12:25:18**
